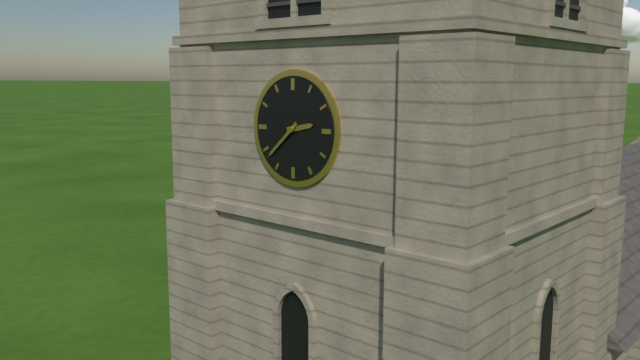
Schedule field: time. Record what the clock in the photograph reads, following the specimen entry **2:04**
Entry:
**2:38**
